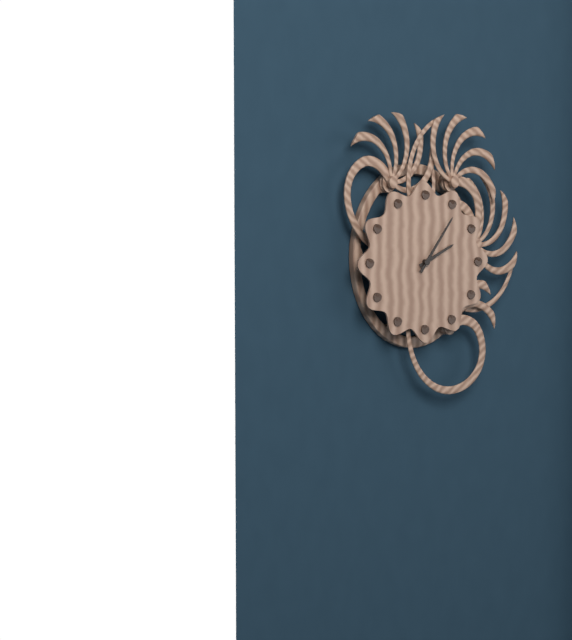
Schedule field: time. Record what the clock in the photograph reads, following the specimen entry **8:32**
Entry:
**2:06**
